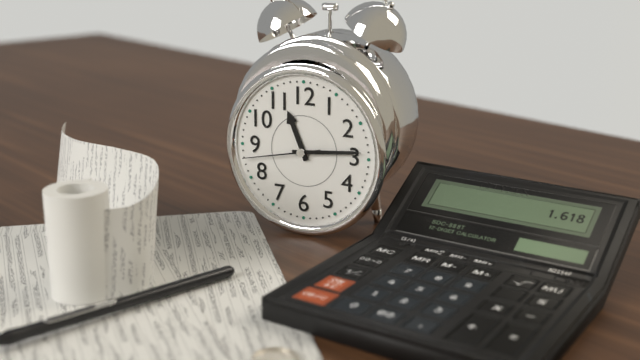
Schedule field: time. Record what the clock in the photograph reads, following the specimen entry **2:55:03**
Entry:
**11:14:43**
